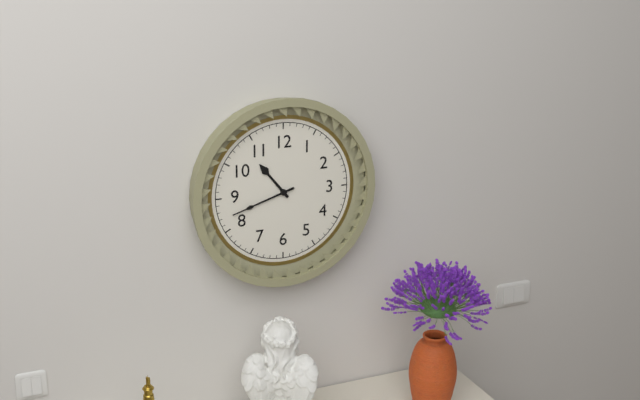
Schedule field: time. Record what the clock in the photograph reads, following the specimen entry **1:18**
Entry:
**10:42**
